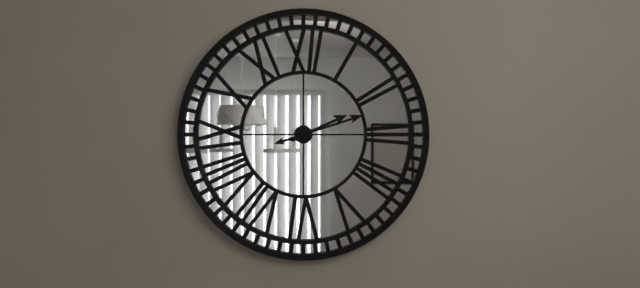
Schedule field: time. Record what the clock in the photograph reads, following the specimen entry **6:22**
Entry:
**2:12**
